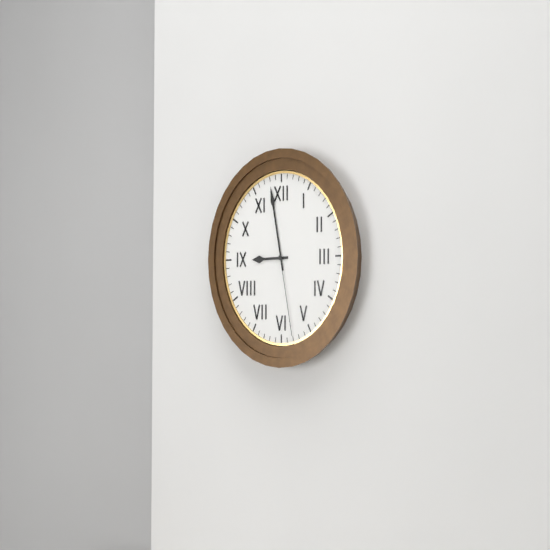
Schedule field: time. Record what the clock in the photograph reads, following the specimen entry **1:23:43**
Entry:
**8:58:28**
